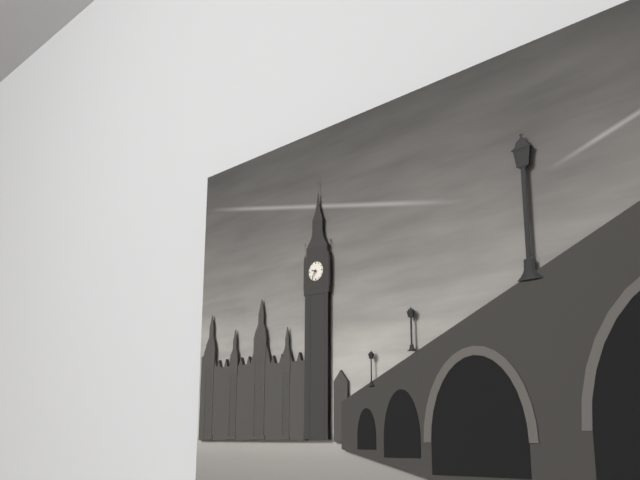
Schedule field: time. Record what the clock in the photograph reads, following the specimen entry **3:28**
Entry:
**9:35**
